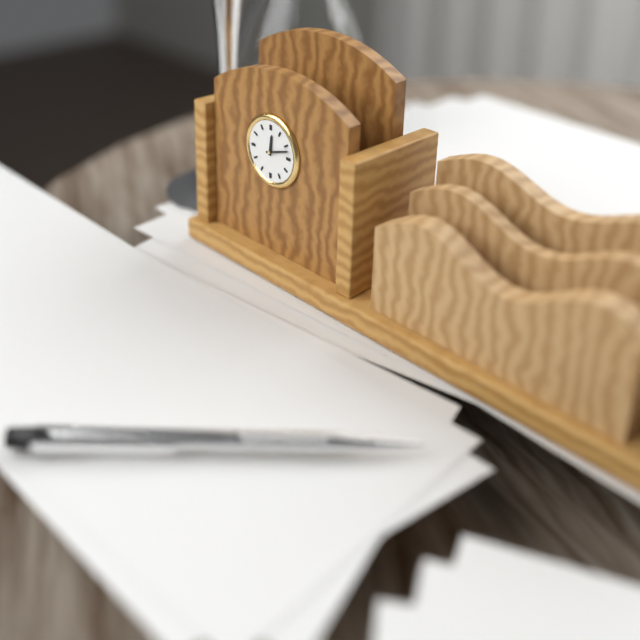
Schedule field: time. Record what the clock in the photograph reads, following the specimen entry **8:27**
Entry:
**12:12**
